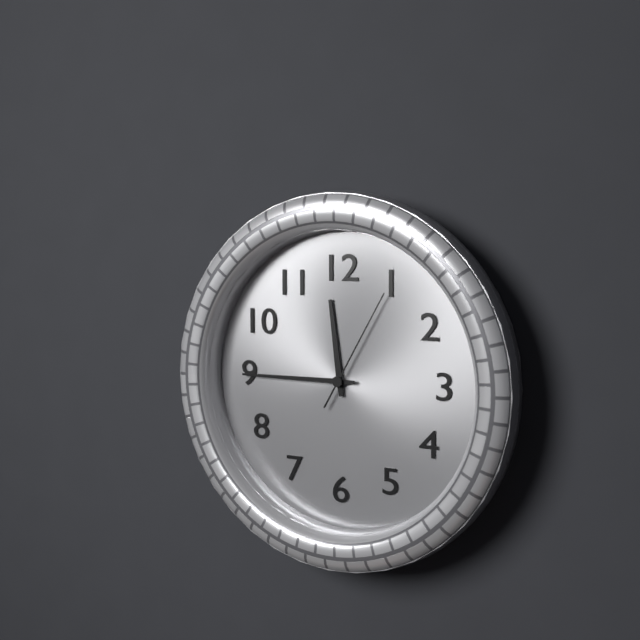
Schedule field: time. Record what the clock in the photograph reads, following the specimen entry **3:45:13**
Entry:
**11:45:05**
